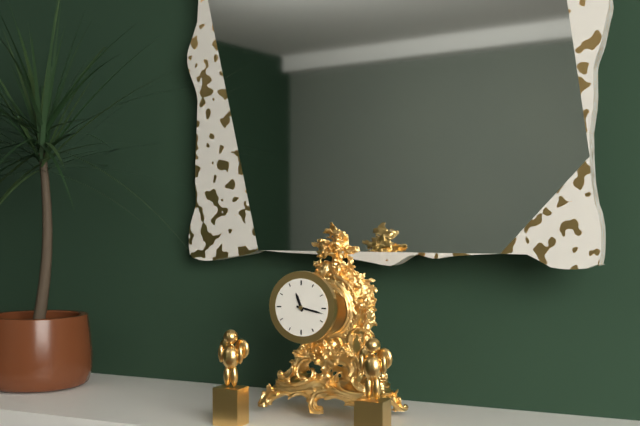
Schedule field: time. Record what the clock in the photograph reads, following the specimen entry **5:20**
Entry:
**11:17**
